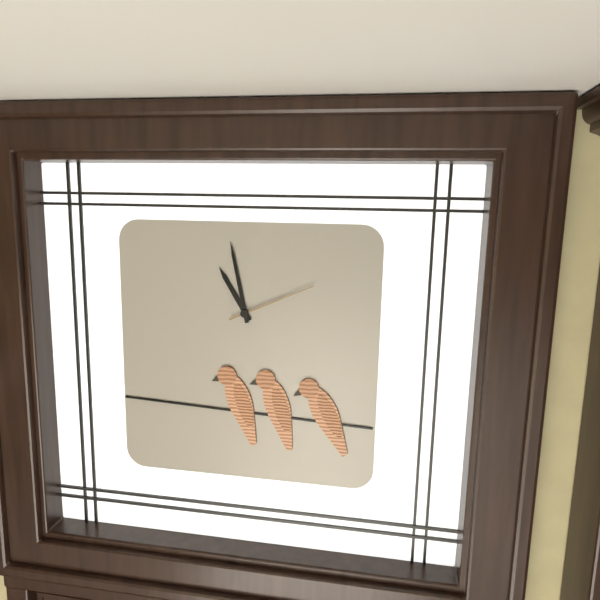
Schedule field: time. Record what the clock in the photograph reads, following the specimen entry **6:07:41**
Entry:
**10:58:11**
